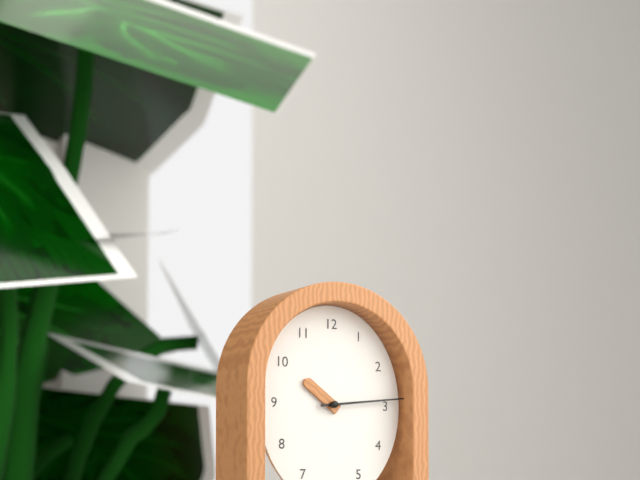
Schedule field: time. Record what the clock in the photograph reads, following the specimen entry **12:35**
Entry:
**10:14**
